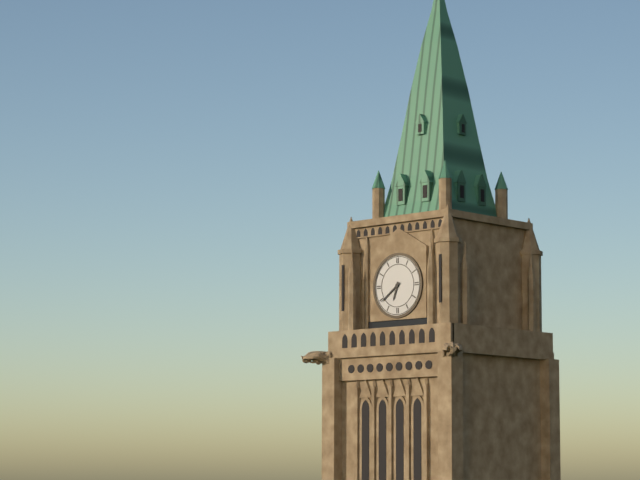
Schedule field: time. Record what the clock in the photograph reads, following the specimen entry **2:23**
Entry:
**6:39**
